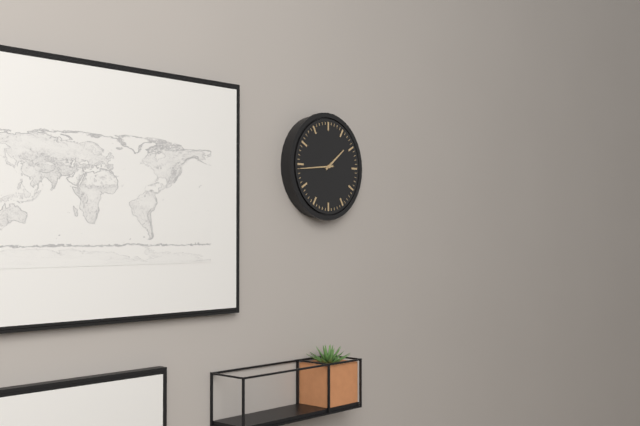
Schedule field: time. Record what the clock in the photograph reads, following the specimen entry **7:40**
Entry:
**1:44**
